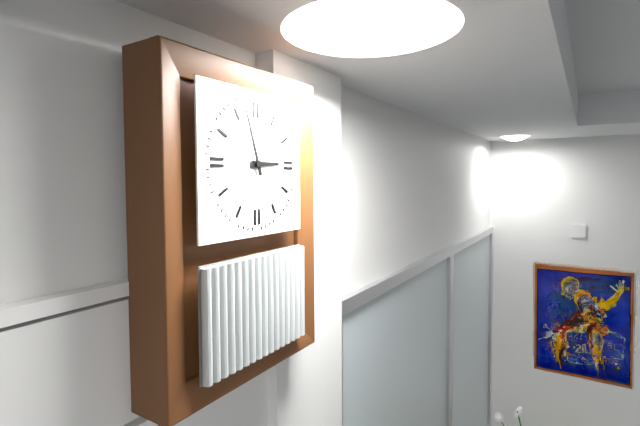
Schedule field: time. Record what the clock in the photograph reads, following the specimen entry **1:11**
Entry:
**2:57**
